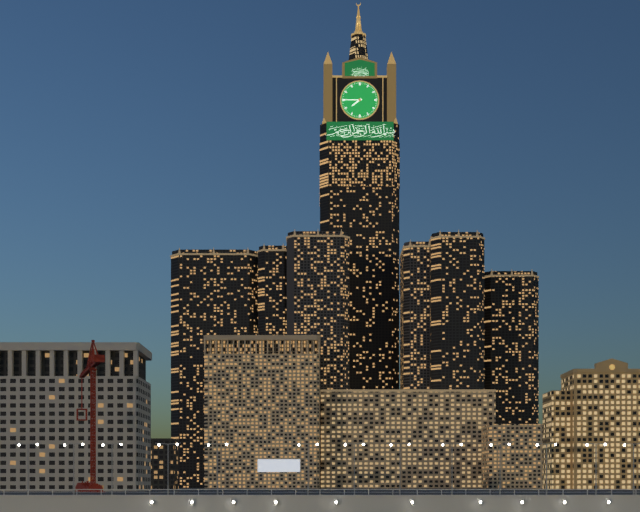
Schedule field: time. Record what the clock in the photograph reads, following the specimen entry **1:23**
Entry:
**7:45**
